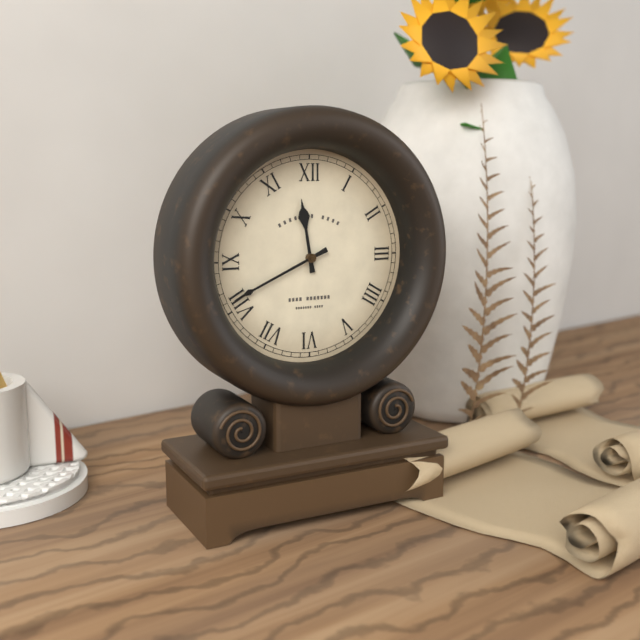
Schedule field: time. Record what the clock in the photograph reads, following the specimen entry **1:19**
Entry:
**11:41**
